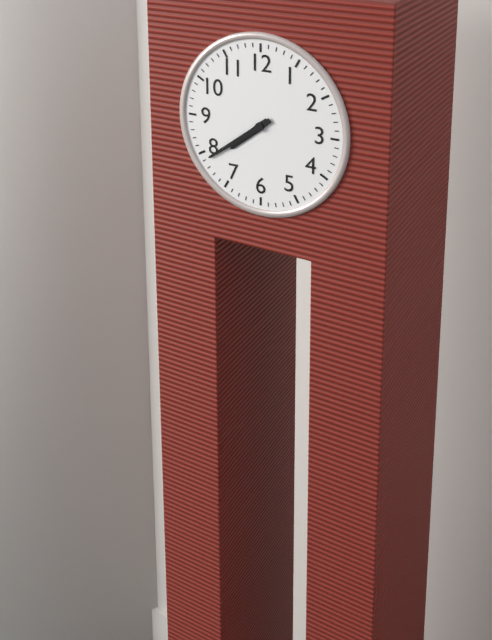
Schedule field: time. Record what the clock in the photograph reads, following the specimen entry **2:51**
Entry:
**7:39**
